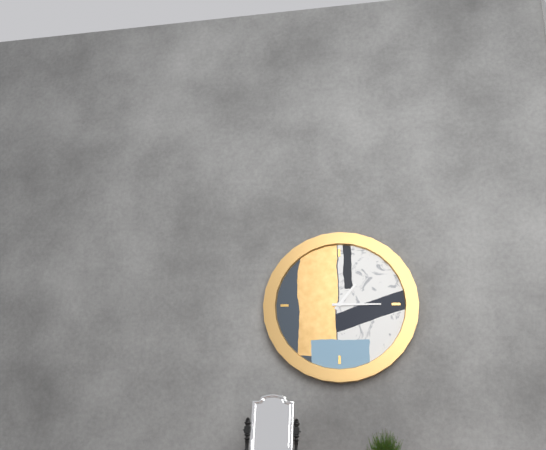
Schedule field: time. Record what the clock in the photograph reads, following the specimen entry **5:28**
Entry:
**1:15**
